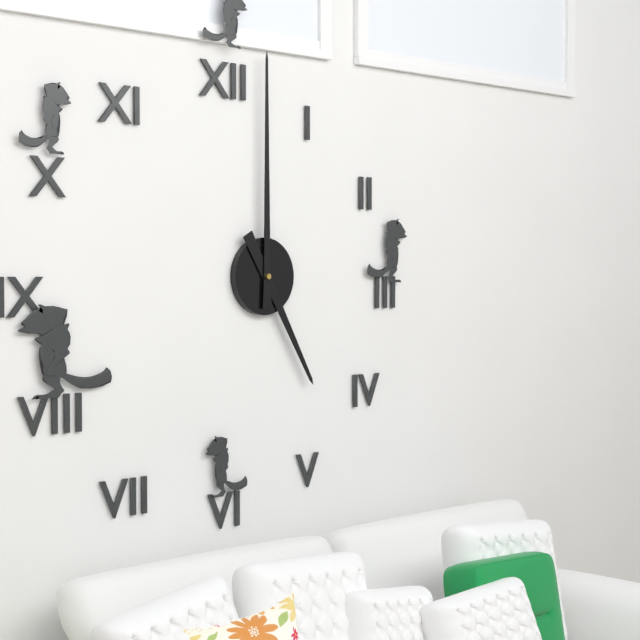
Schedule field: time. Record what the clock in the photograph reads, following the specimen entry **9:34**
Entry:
**5:00**
